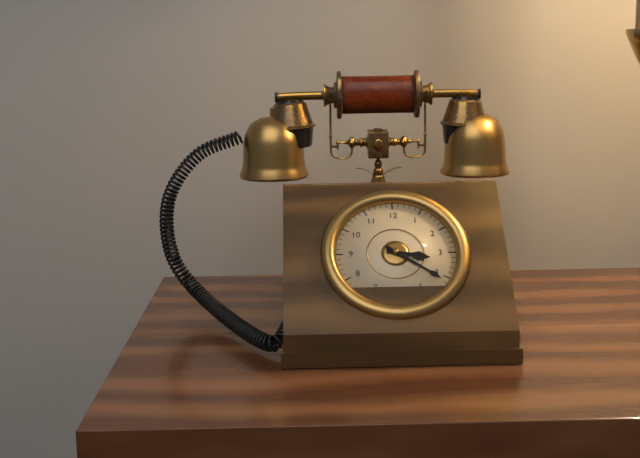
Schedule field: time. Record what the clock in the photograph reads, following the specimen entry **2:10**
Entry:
**3:21**
